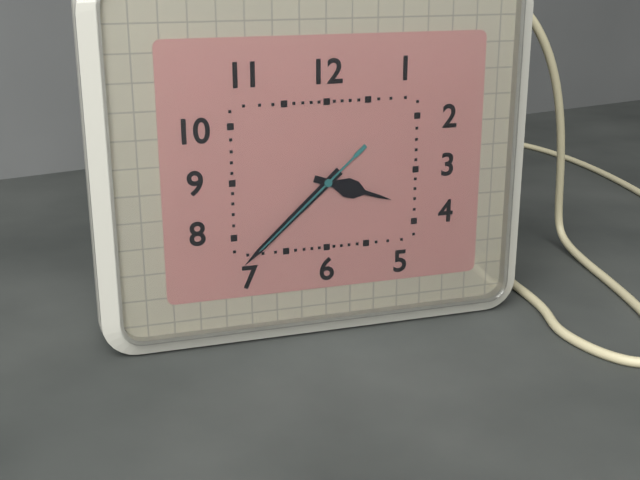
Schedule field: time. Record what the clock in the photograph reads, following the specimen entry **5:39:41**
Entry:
**3:38:38**
